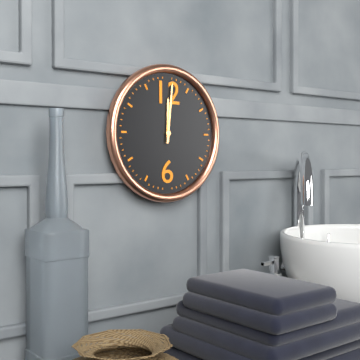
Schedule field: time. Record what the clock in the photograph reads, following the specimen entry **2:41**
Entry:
**12:01**
